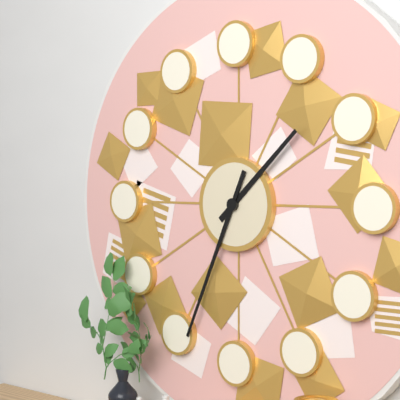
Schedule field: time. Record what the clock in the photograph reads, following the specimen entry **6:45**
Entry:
**1:34**
